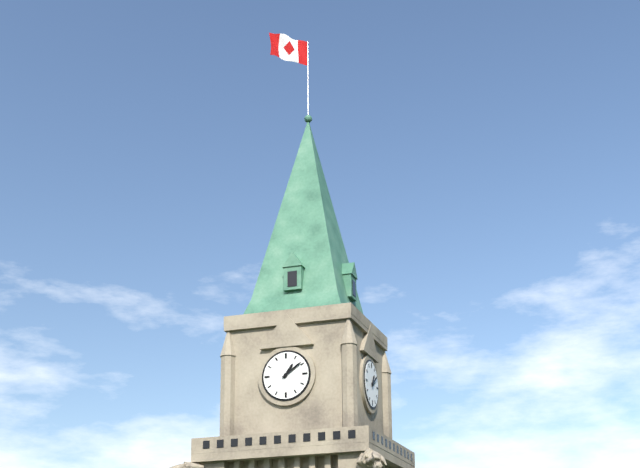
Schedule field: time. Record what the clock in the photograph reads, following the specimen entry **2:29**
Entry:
**1:09**
